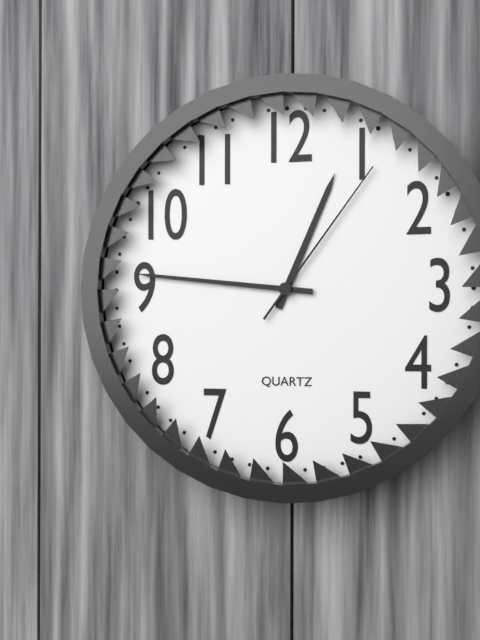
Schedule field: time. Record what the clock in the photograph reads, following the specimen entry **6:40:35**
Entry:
**12:46:06**
